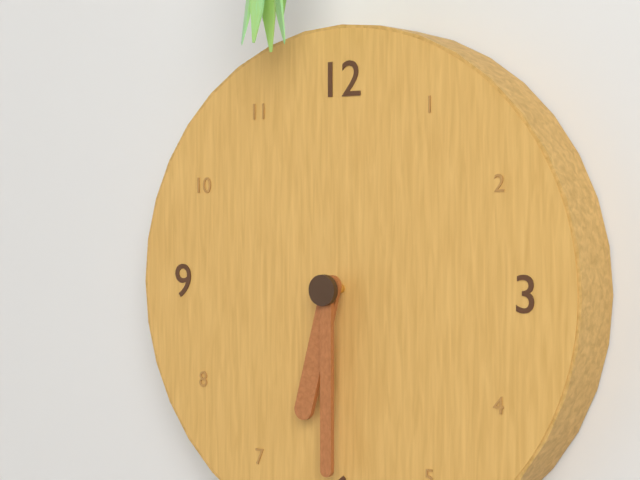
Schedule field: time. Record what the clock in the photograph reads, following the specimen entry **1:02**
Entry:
**6:30**
